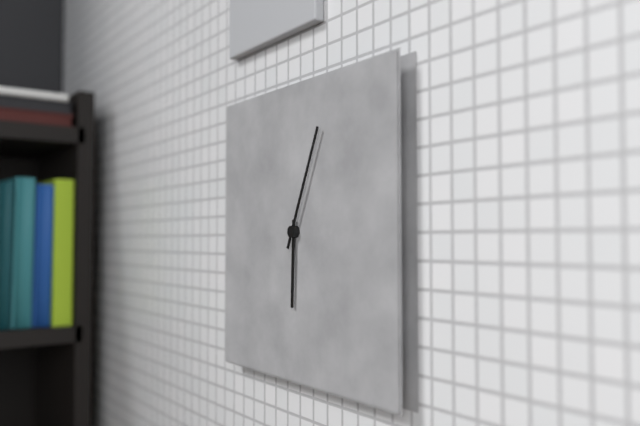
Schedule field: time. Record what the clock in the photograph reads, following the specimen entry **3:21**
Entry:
**6:04**
